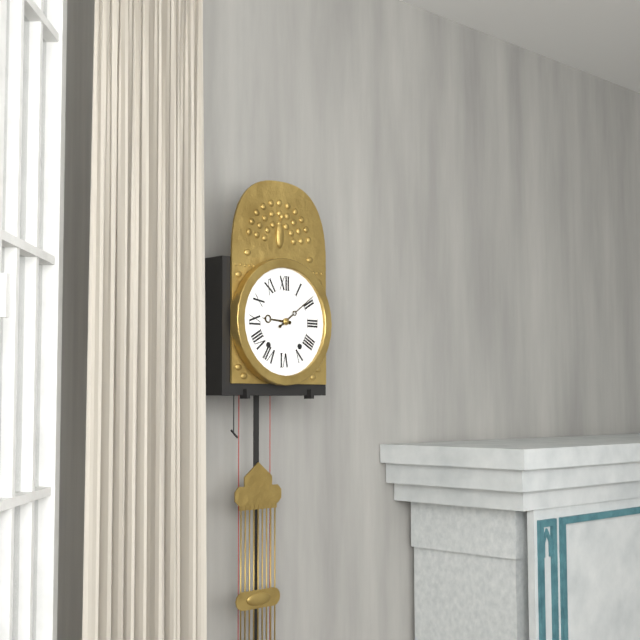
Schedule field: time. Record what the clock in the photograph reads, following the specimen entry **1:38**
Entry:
**9:09**
